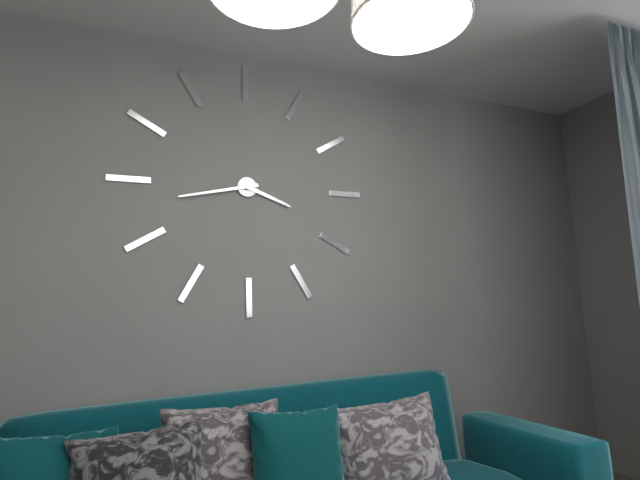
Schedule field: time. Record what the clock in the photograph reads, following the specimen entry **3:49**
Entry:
**3:43**
